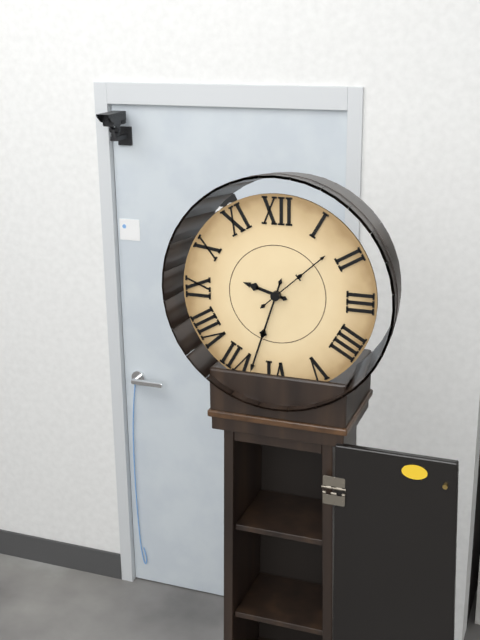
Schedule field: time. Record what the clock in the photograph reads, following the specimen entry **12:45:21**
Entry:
**9:33:08**
